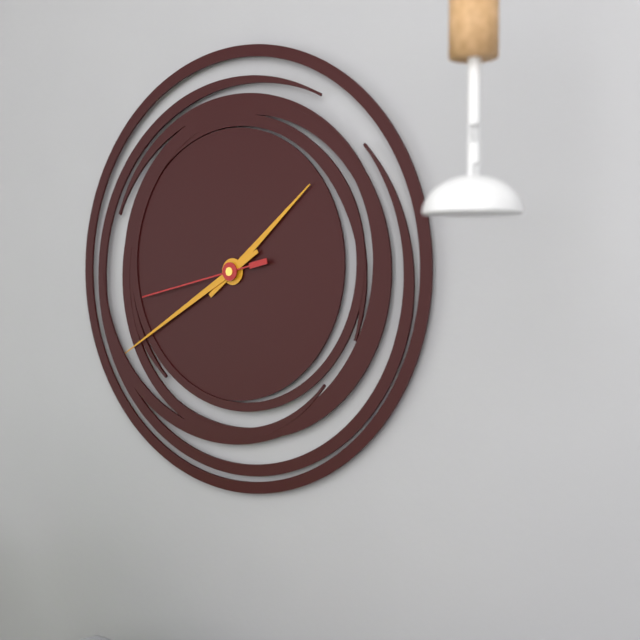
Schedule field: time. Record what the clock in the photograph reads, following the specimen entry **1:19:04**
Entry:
**1:40:43**
